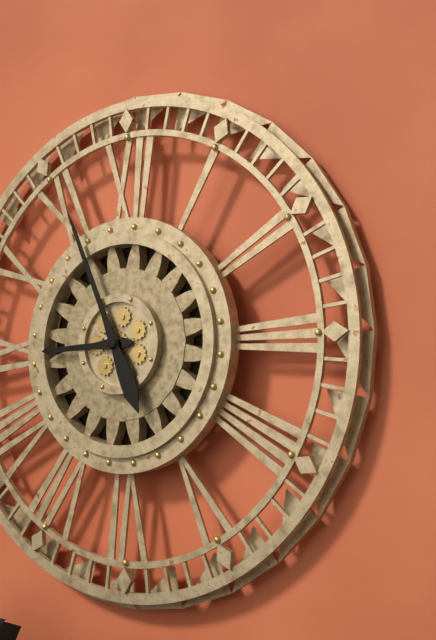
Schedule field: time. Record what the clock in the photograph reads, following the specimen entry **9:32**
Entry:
**8:56**
